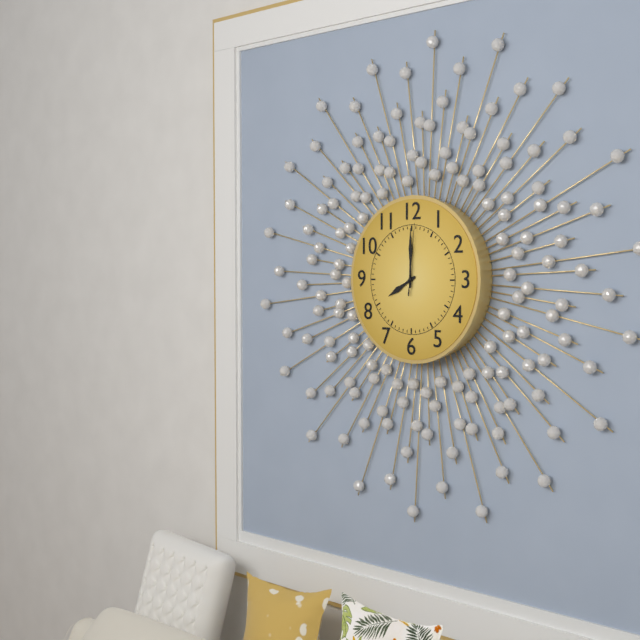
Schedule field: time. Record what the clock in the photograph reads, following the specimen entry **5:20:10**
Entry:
**8:00:01**
